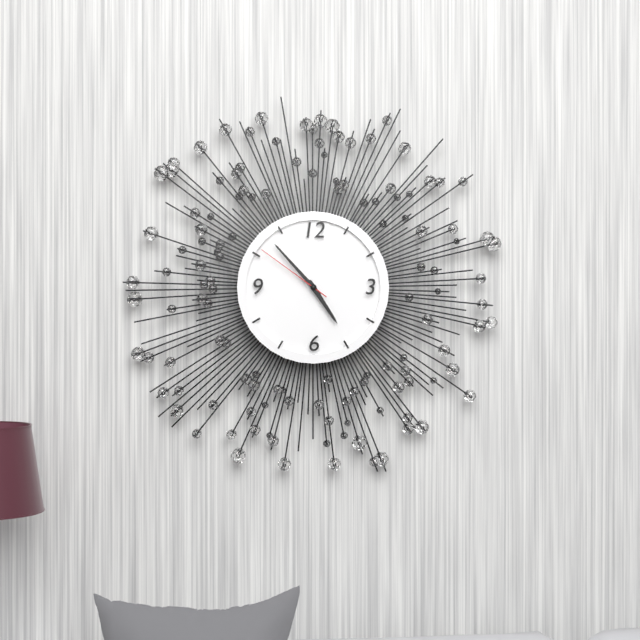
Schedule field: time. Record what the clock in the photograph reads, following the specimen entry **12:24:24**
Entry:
**4:53:51**
